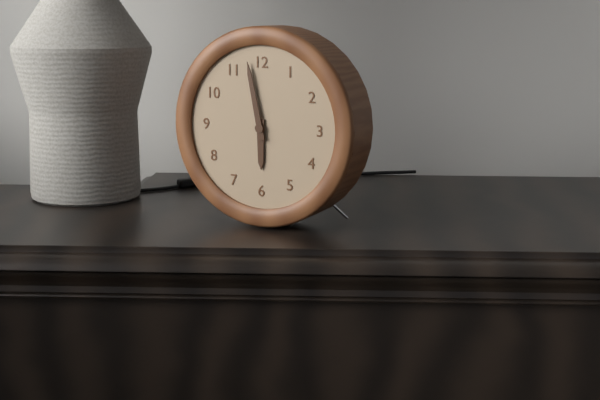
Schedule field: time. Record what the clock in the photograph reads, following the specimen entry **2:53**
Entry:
**5:58**
